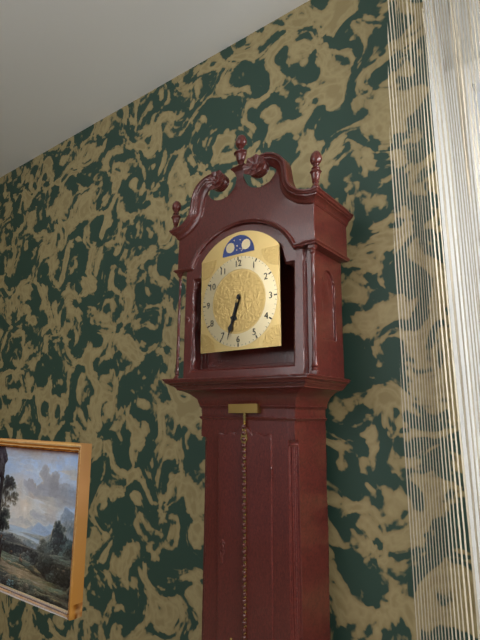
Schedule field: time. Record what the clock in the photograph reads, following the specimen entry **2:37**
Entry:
**6:33**
